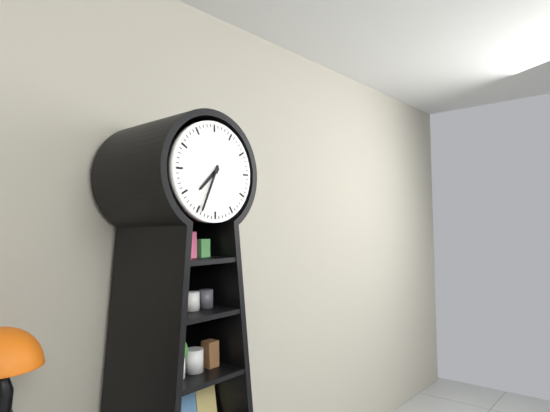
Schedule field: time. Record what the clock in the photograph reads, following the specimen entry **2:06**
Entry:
**7:34**
